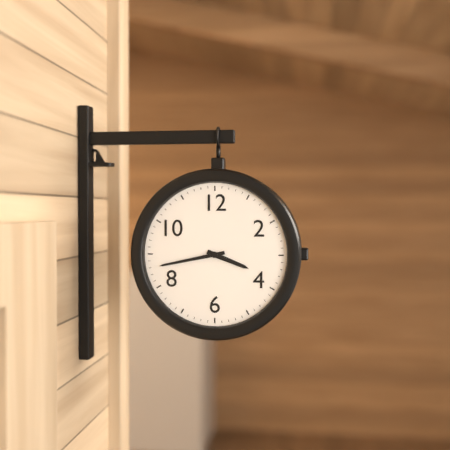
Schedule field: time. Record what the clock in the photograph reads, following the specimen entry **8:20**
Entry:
**3:43**
